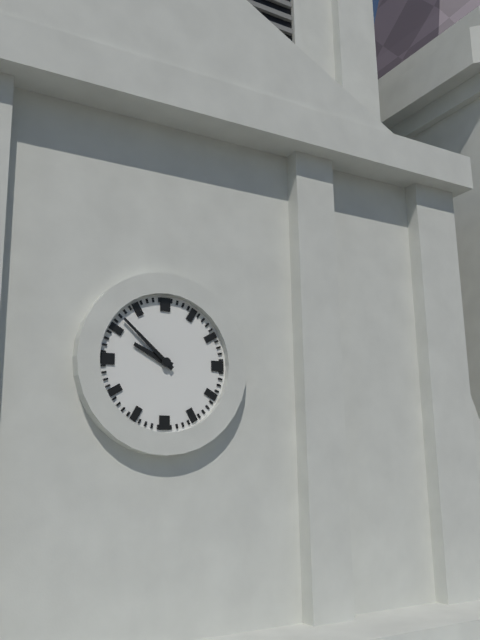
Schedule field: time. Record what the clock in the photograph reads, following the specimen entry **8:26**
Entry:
**9:52**
